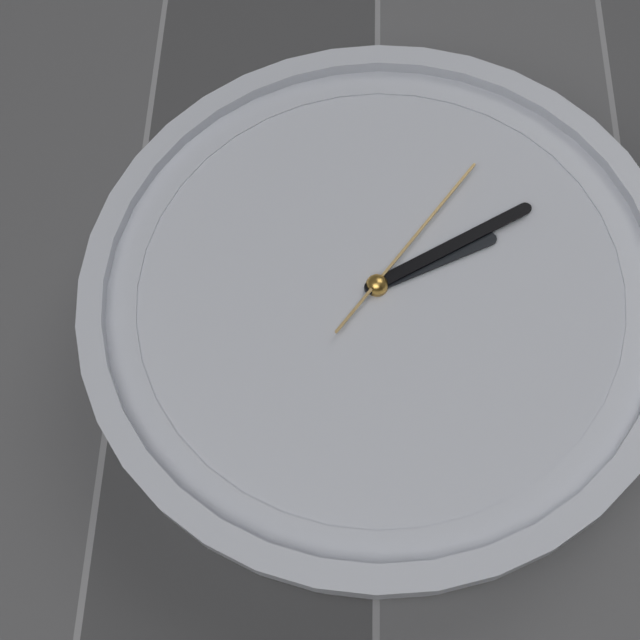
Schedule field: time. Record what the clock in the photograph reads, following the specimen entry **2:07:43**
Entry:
**2:10:06**
